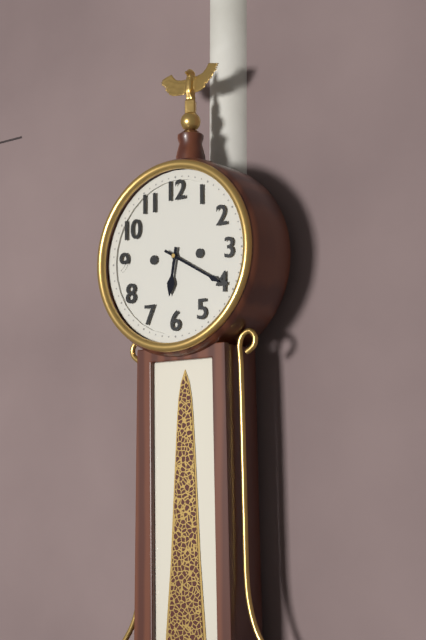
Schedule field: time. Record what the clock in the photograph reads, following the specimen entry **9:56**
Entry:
**6:20**
